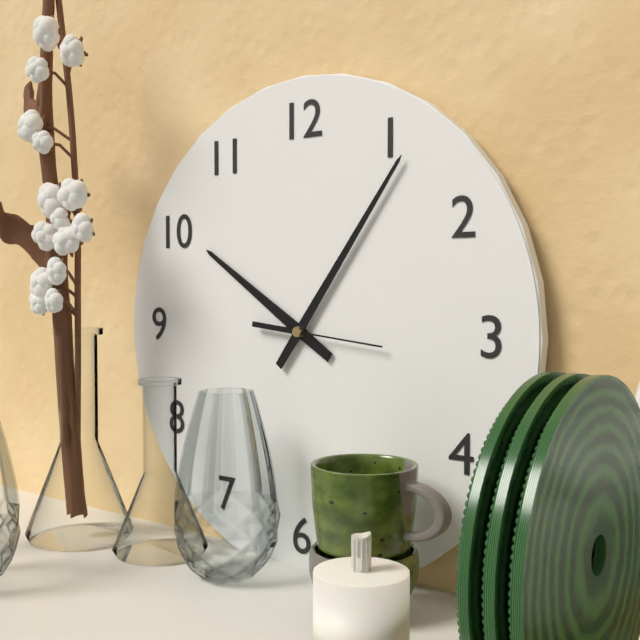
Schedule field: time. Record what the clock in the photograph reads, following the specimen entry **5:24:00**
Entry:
**10:06:16**
